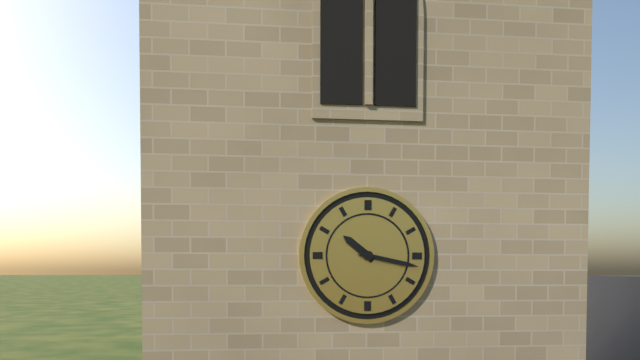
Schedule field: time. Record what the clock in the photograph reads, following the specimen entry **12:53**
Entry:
**10:17**
